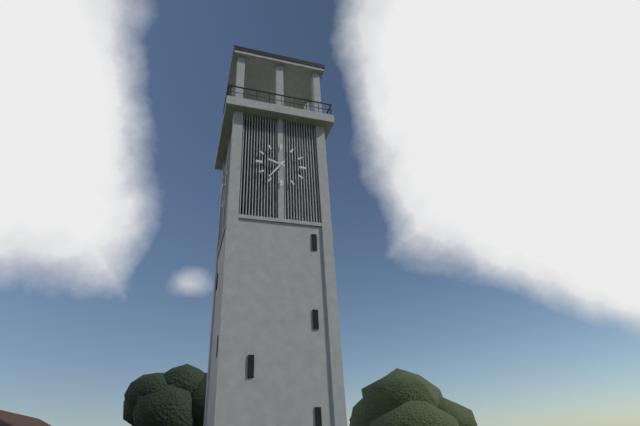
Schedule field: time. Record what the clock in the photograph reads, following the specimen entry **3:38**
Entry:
**9:36**
